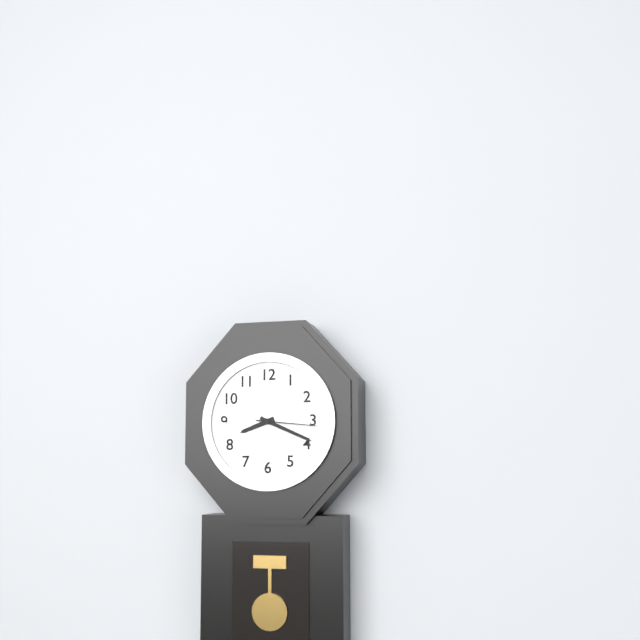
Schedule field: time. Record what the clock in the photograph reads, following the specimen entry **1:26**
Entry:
**8:19**
